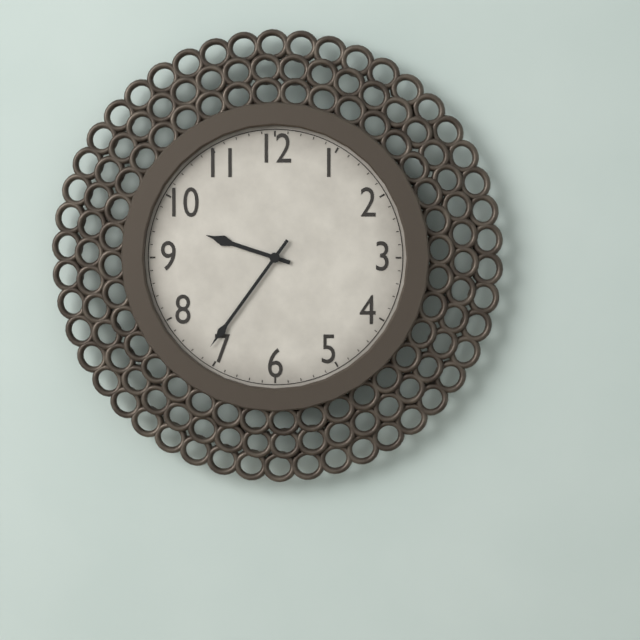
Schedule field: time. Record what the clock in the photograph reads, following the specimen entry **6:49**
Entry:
**9:36**
